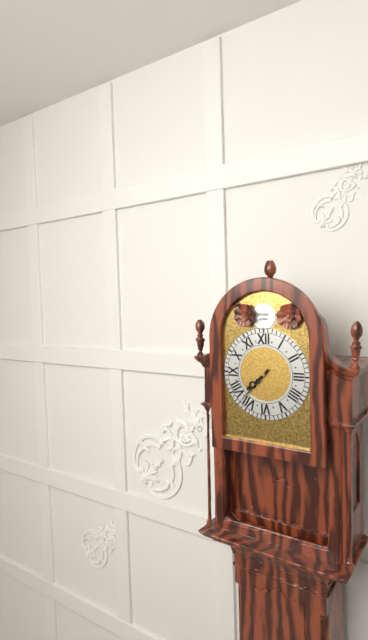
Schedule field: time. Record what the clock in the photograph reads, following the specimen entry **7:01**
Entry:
**7:37**
